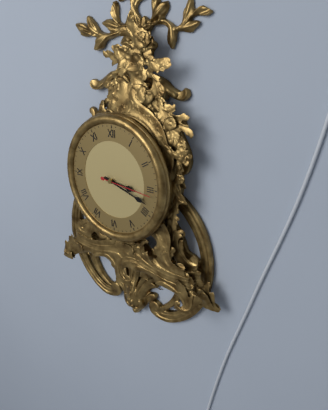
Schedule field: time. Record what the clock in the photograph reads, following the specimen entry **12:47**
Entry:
**3:18**
